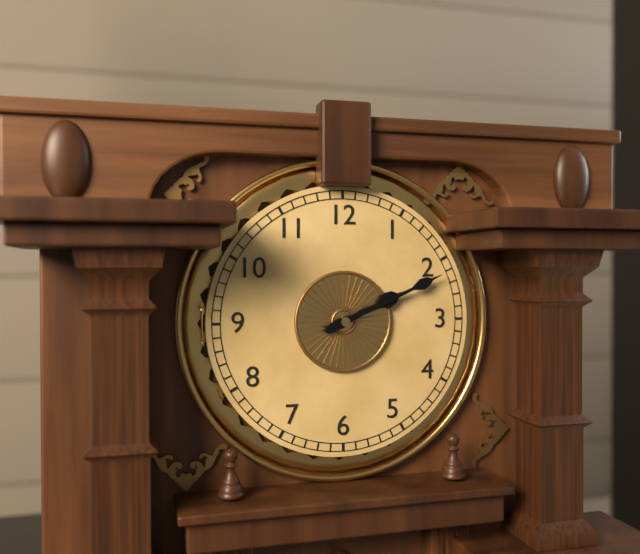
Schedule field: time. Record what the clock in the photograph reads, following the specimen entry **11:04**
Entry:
**2:11**
